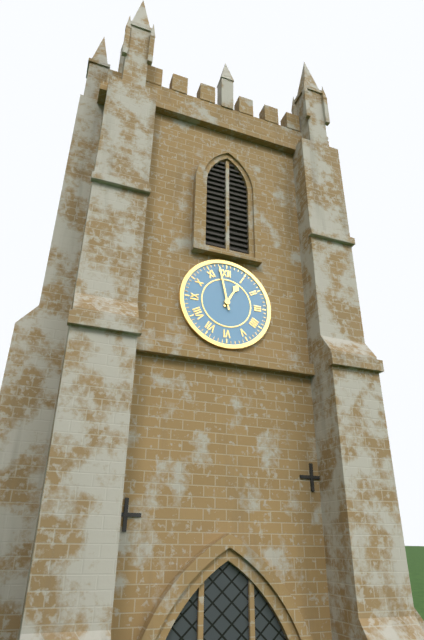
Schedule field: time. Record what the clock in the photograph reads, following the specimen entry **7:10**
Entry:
**12:58**
